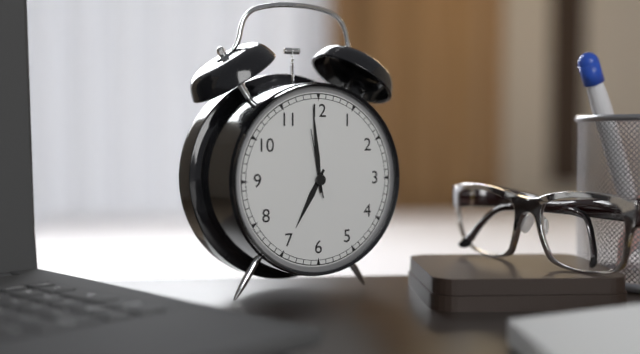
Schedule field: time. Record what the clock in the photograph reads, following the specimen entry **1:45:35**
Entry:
**6:59:58**
